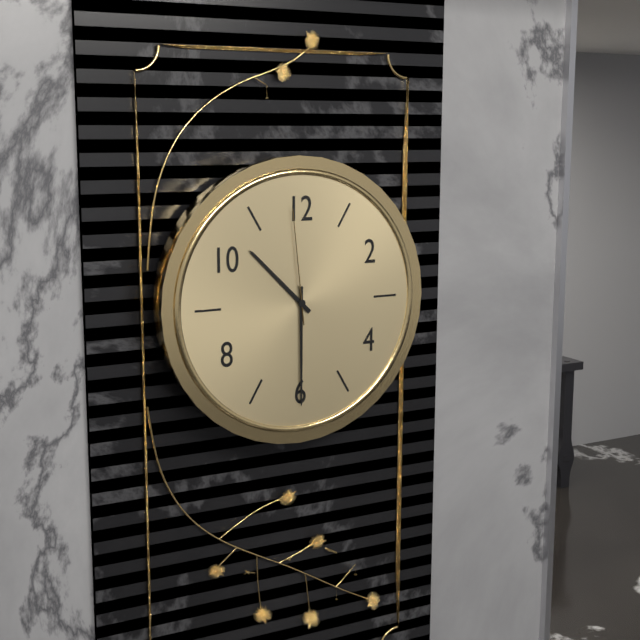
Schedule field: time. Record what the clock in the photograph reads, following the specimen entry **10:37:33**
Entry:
**10:30:59**
